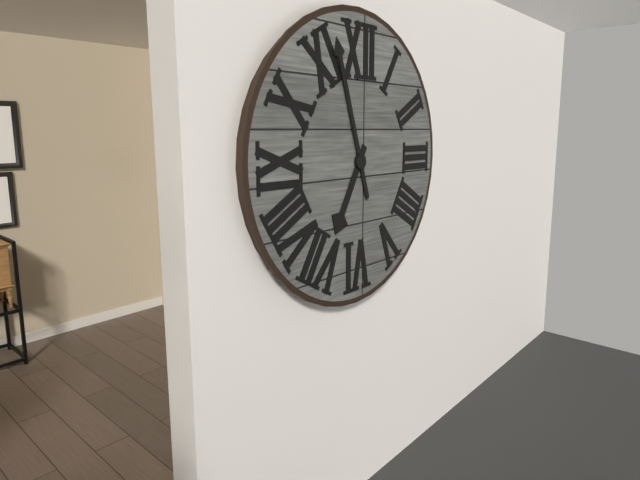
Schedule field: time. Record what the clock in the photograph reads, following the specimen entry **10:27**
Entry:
**6:57**
